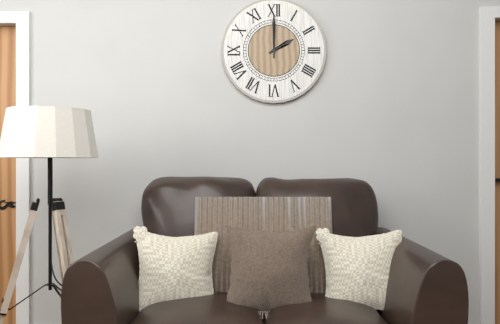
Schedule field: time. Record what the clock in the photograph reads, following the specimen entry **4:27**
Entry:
**2:00**
